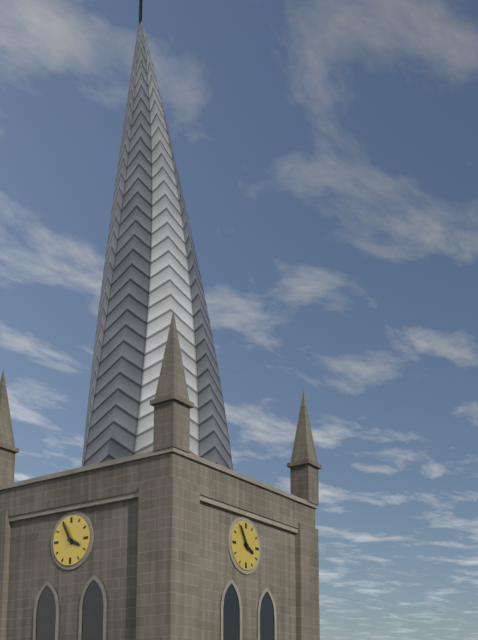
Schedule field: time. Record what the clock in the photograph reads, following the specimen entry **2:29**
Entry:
**3:55**
